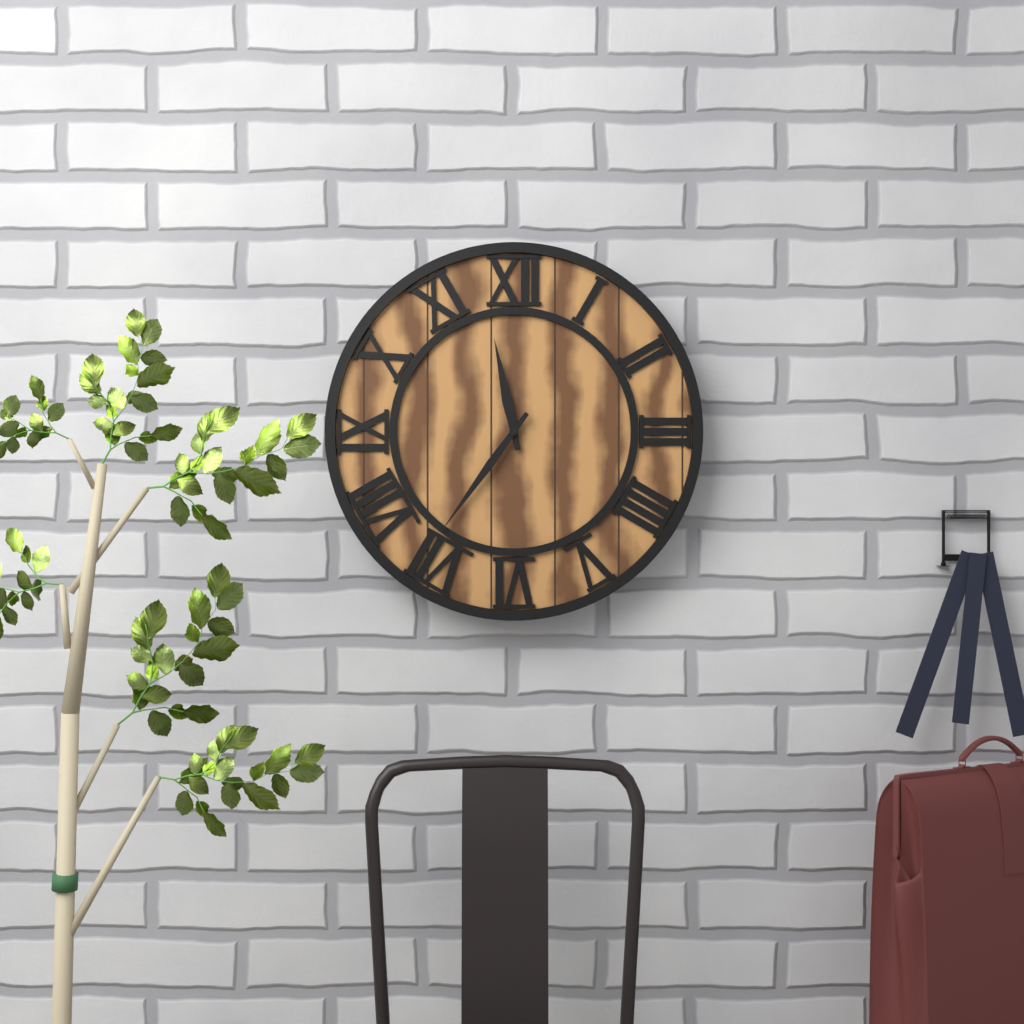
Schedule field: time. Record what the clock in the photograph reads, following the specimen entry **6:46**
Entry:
**11:36**
